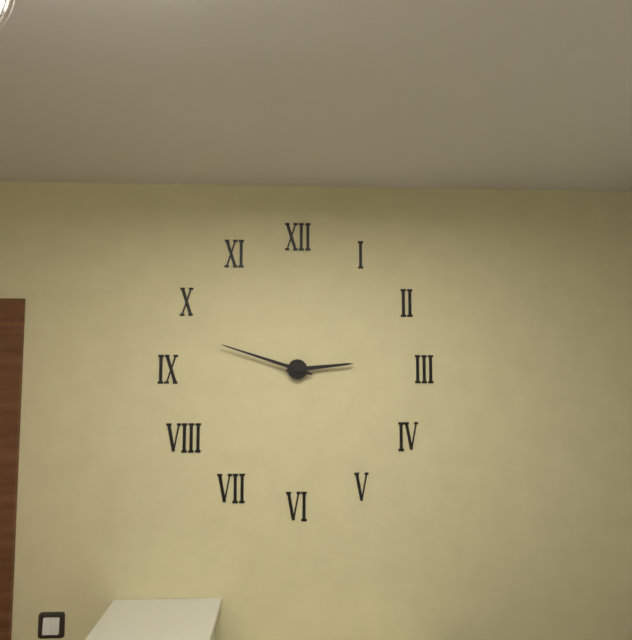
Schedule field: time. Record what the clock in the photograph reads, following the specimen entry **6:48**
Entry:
**2:48**
